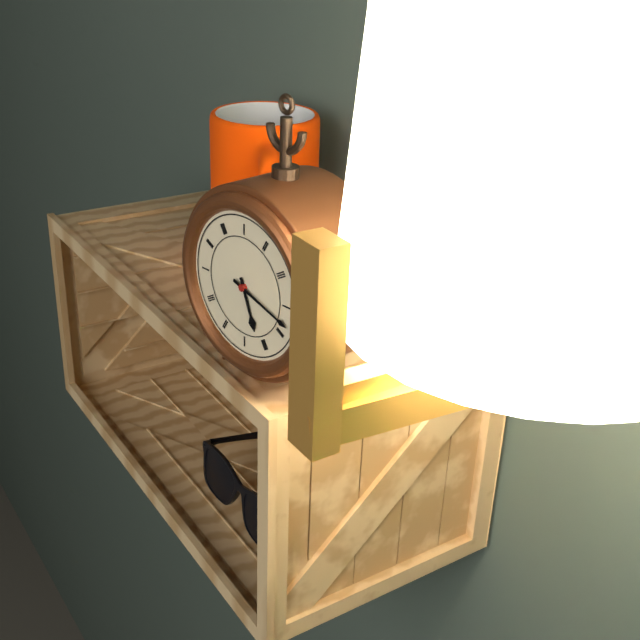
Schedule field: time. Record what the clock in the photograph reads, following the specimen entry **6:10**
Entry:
**5:18**
